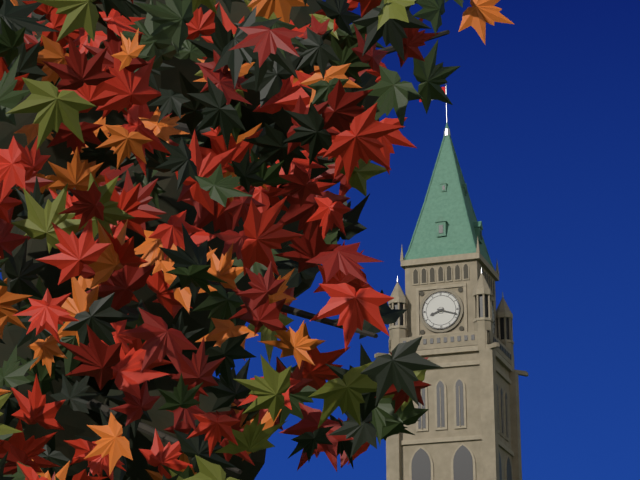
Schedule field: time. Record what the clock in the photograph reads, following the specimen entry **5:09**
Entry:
**8:18**
